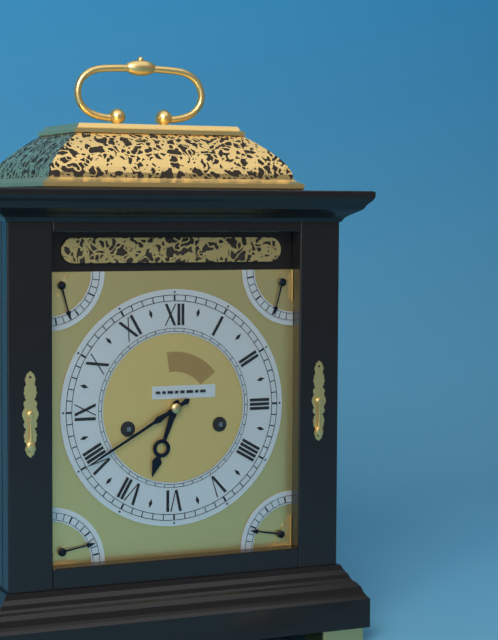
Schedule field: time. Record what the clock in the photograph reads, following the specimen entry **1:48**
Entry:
**6:40**
